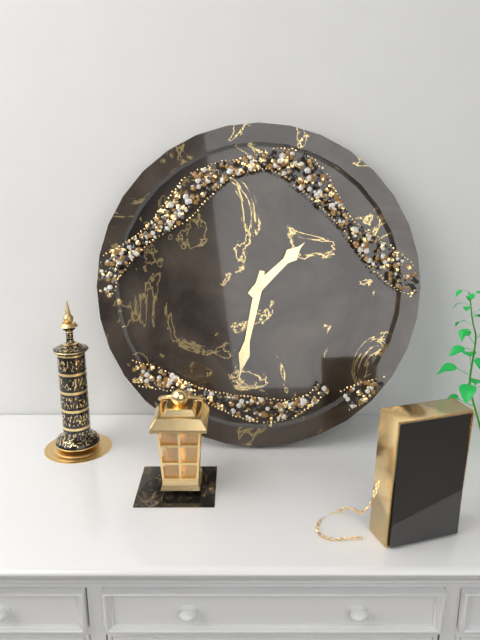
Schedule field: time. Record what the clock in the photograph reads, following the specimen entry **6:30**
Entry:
**1:32**
